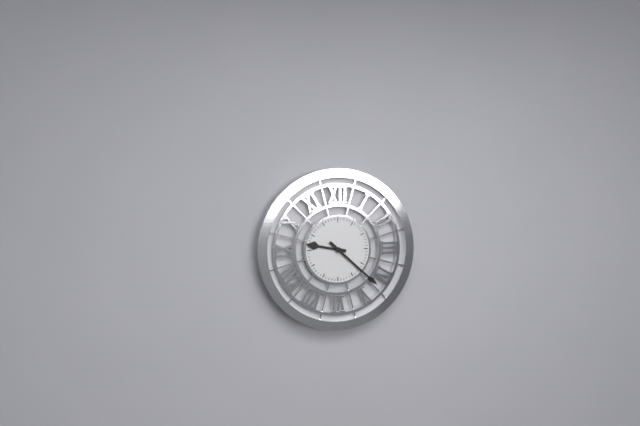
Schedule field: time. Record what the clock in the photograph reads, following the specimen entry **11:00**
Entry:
**9:22**
